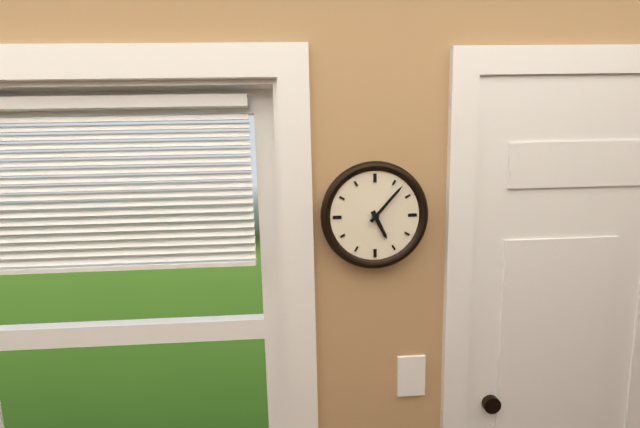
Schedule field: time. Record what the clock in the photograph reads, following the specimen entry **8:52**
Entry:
**5:07**
